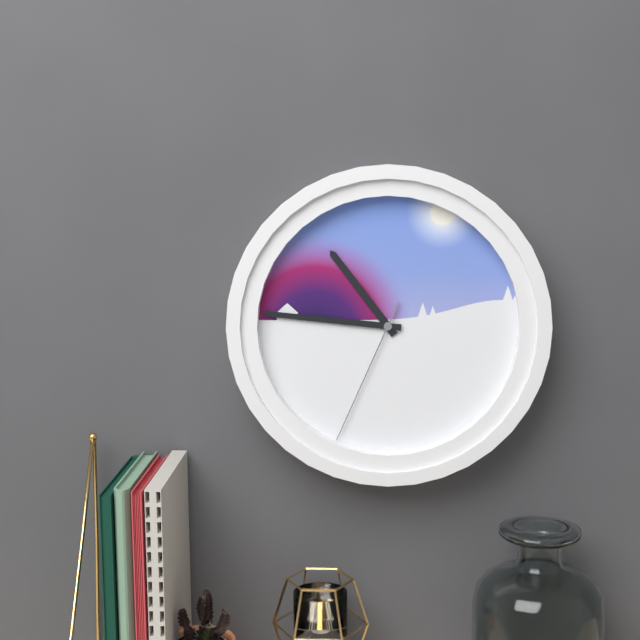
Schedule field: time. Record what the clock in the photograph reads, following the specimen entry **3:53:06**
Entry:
**10:46:34**
